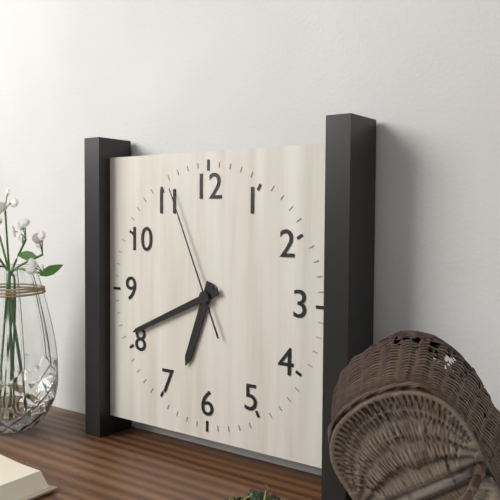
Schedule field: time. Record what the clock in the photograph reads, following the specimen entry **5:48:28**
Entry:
**6:41:56**
